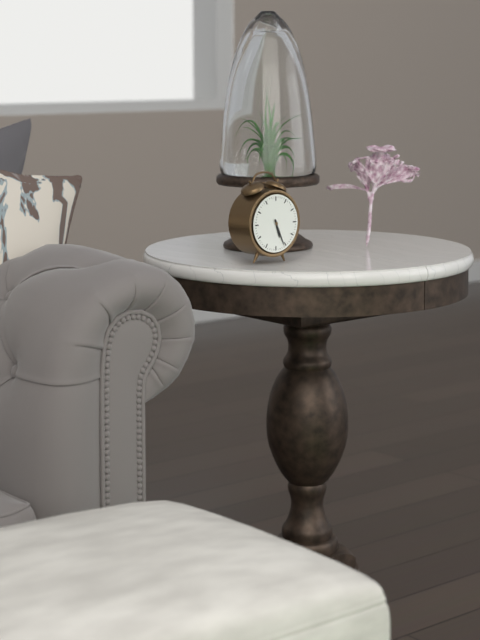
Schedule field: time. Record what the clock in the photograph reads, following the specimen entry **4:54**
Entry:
**5:26**
